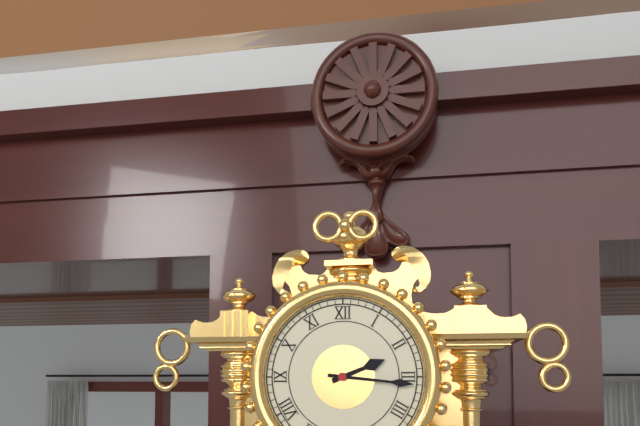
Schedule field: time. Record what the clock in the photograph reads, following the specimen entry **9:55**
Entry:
**2:16**
